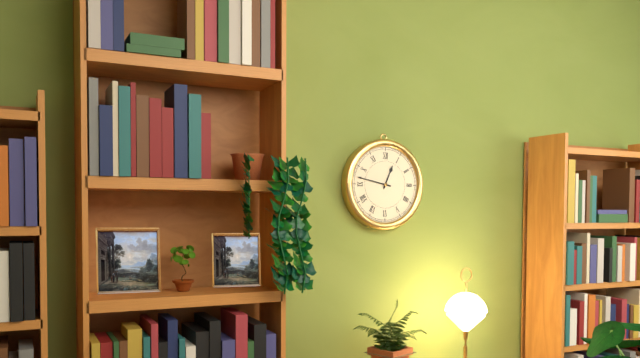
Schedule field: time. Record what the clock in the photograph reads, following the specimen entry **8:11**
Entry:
**12:47**
